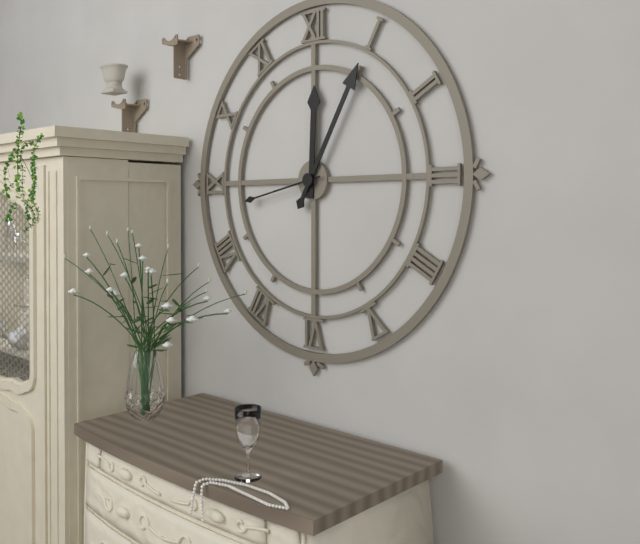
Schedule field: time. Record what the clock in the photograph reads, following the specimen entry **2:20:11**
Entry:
**12:05:43**
